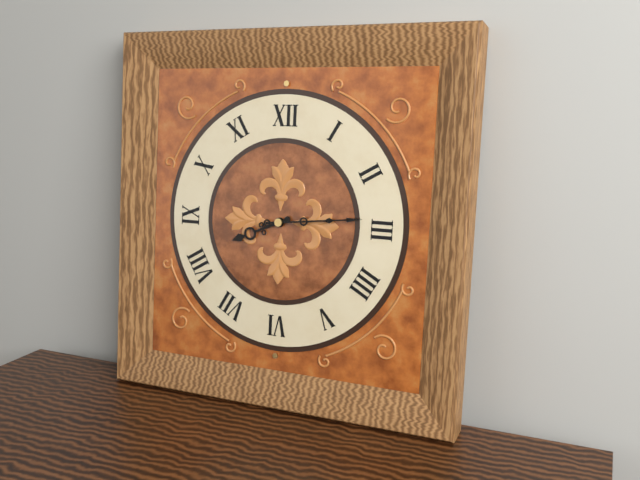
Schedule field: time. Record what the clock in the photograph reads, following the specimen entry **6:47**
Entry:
**8:14**
